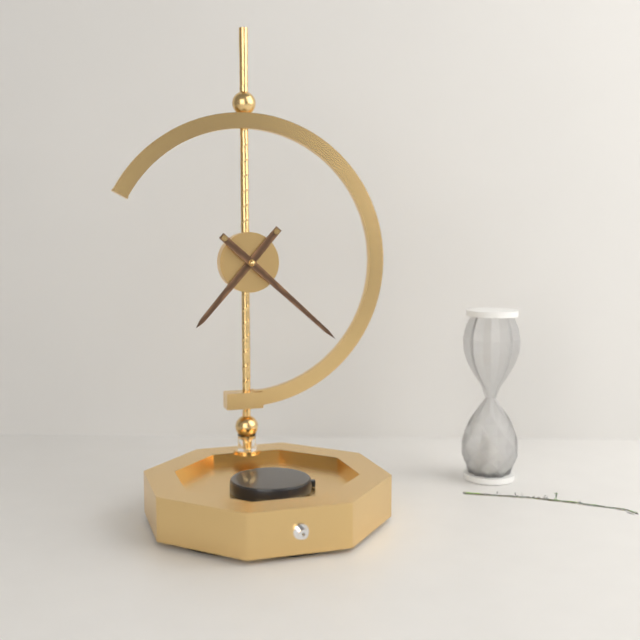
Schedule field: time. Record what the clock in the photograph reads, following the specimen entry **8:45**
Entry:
**7:22**
